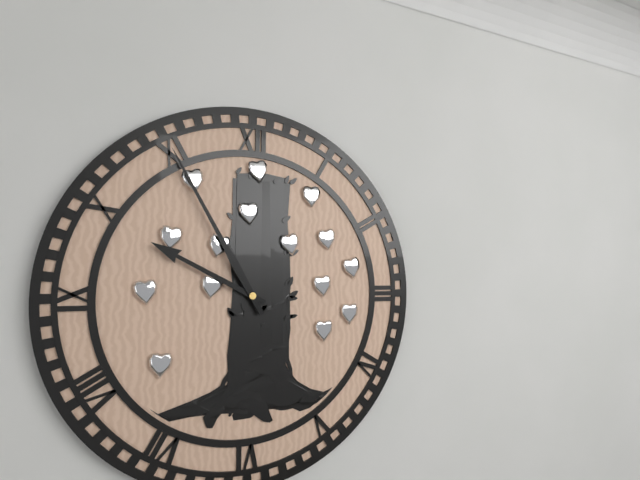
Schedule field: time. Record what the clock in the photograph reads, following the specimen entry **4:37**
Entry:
**9:55**
